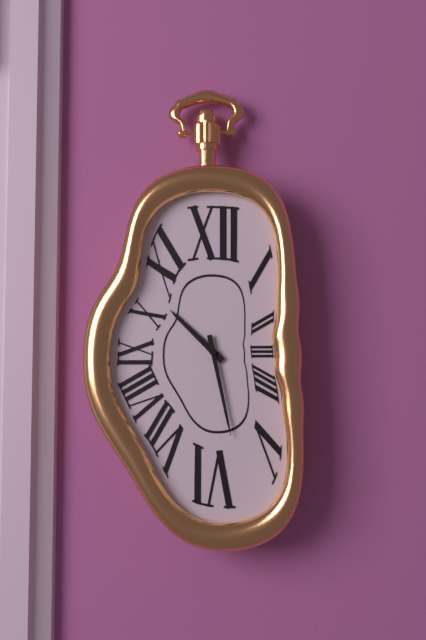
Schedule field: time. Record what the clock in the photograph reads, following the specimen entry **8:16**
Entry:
**10:28**
